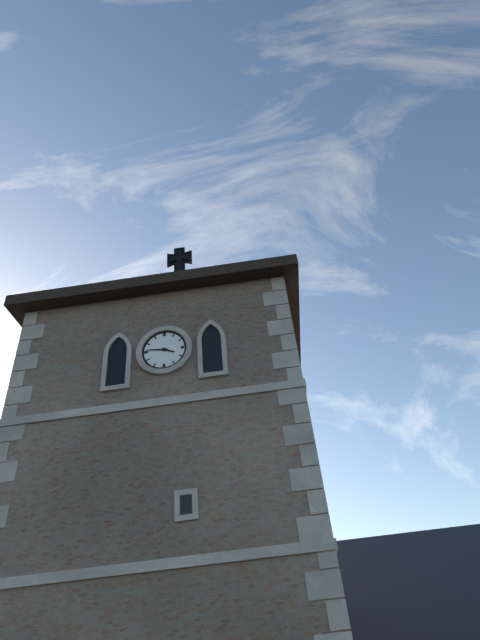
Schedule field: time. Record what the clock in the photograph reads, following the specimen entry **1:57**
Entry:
**3:46**
